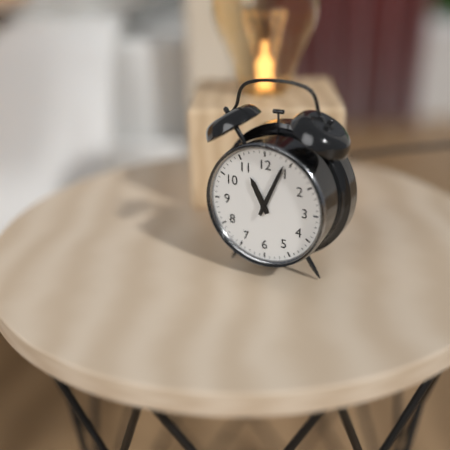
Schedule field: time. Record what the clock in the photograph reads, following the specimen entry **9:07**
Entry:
**11:04**
